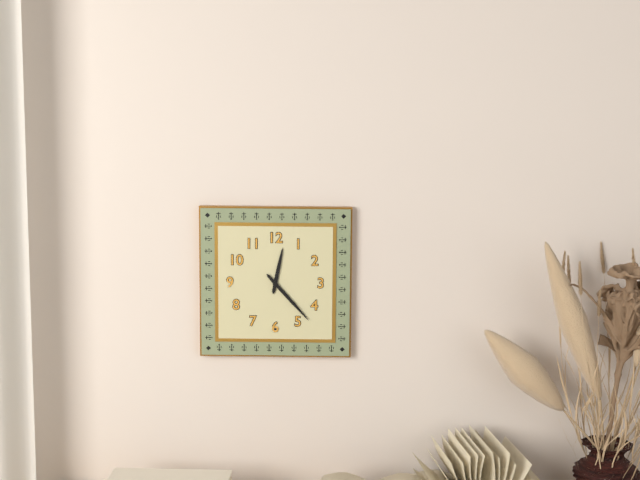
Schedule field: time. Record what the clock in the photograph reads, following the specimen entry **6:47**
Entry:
**12:23**
